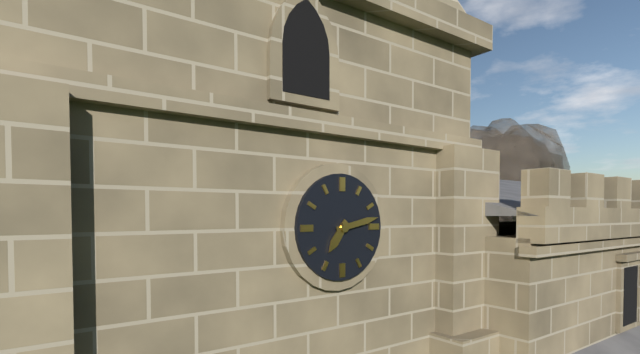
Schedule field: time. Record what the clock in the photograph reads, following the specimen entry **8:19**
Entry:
**7:13**
